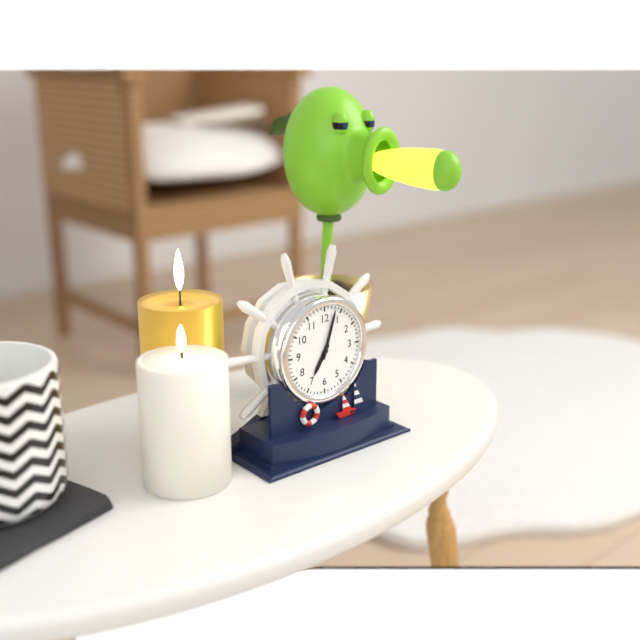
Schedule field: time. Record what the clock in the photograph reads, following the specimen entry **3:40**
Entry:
**7:03**
